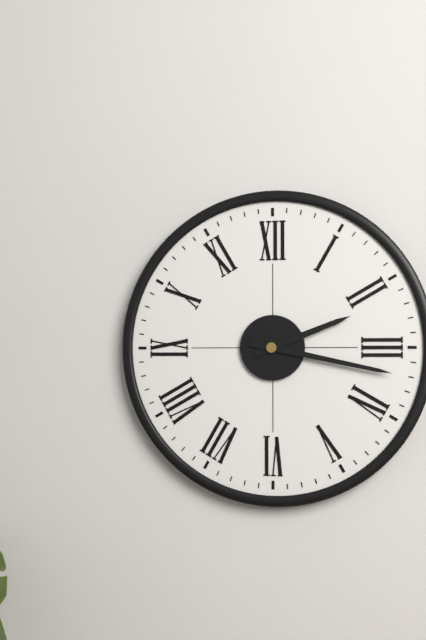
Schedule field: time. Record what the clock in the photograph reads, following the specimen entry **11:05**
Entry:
**2:17**
